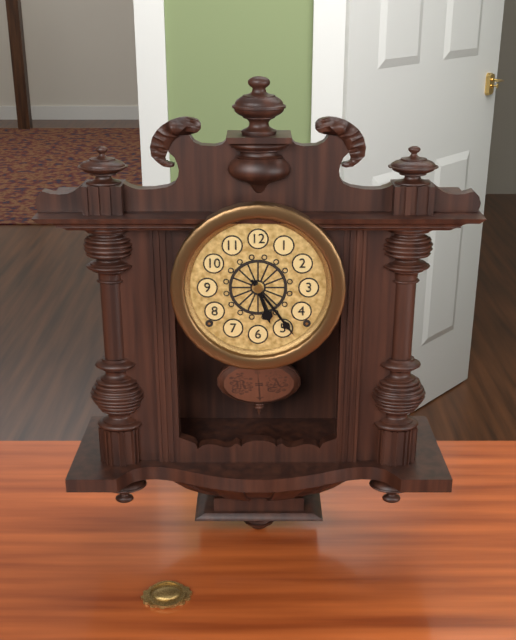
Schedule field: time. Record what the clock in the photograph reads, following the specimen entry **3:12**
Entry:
**5:24**
